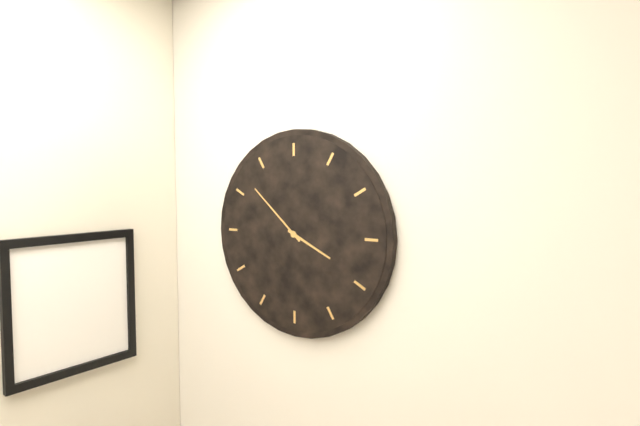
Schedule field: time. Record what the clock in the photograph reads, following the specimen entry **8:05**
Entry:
**3:52**
